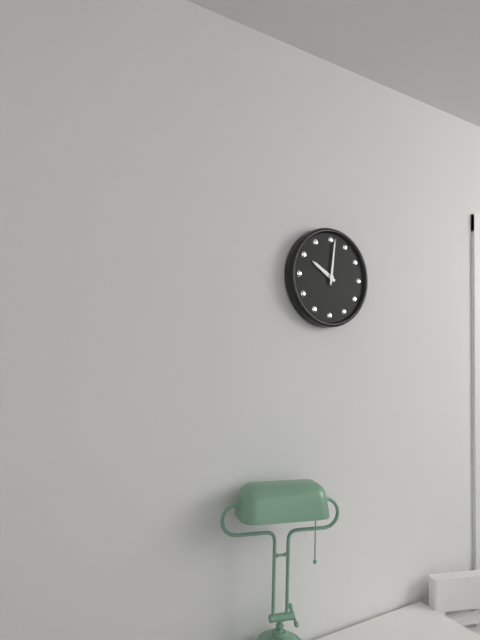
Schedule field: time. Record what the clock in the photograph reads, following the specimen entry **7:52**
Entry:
**10:01**
